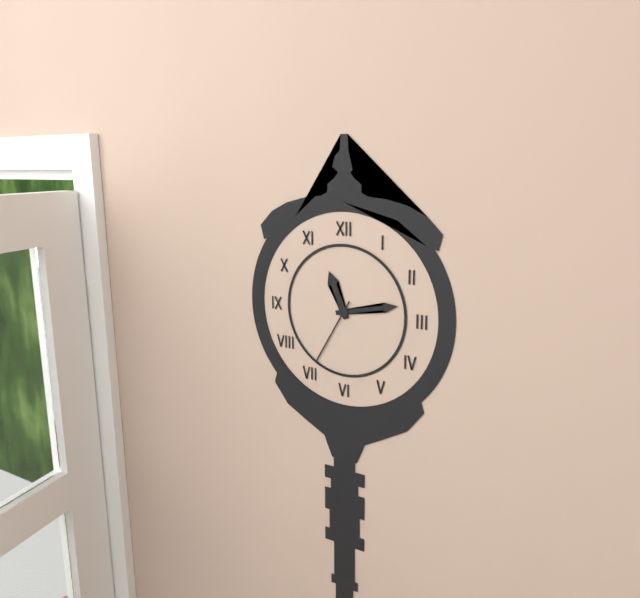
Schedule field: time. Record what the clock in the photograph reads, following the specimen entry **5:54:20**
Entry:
**11:13:35**
